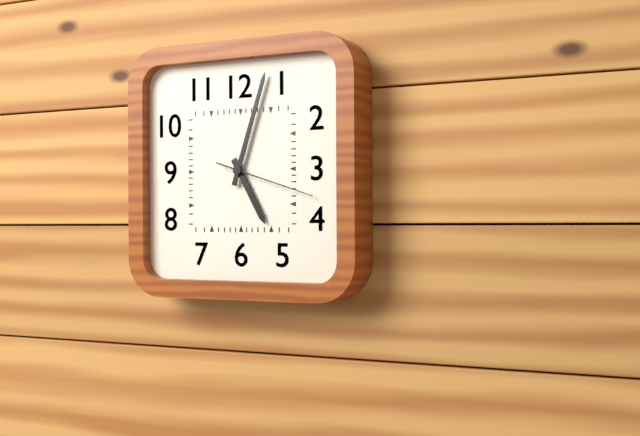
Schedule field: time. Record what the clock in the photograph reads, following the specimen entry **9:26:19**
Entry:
**5:03:18**
